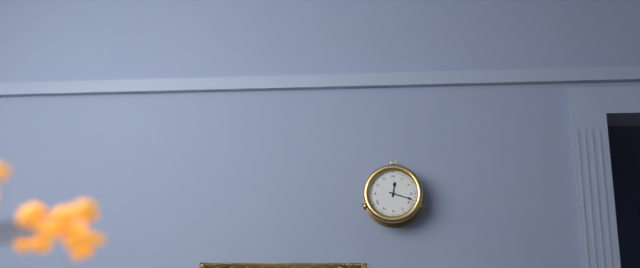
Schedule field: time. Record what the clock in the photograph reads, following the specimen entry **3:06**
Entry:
**12:18**
